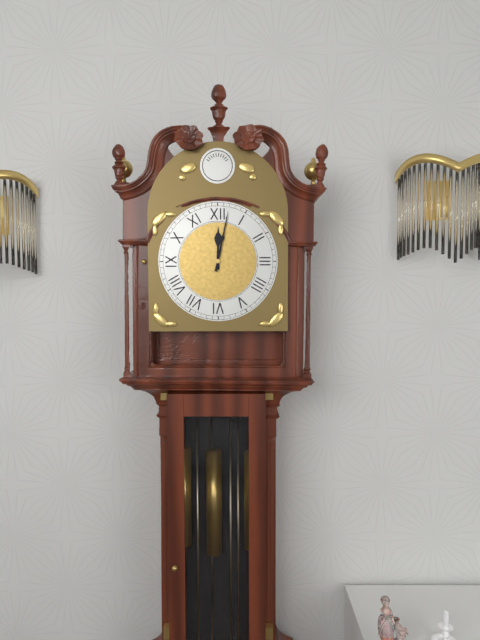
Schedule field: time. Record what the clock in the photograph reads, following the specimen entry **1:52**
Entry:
**12:02**
